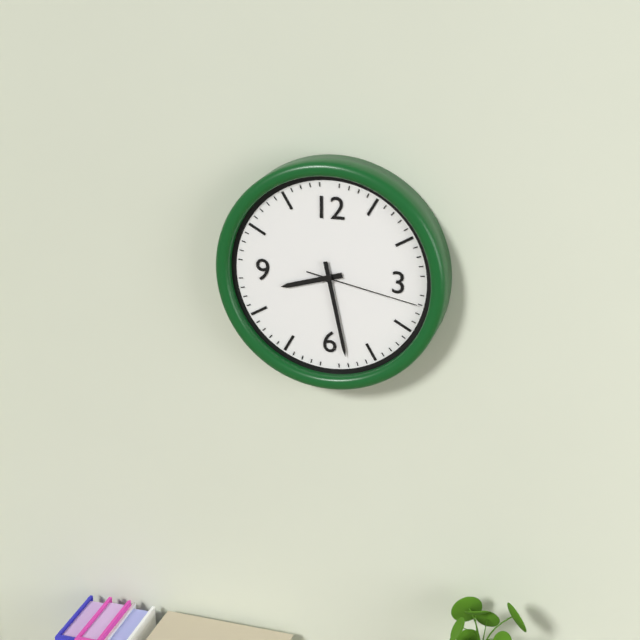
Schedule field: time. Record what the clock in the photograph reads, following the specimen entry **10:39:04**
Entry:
**8:28:17**
